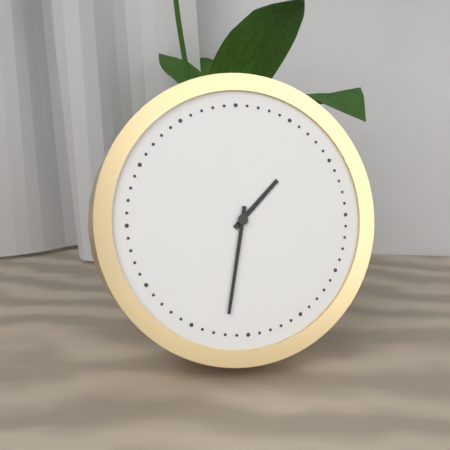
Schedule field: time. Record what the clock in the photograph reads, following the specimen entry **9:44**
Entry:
**1:32**
